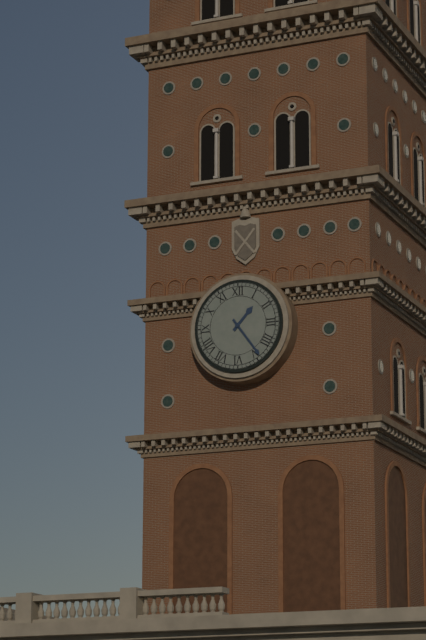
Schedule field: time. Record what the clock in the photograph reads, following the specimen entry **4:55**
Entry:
**1:24**
